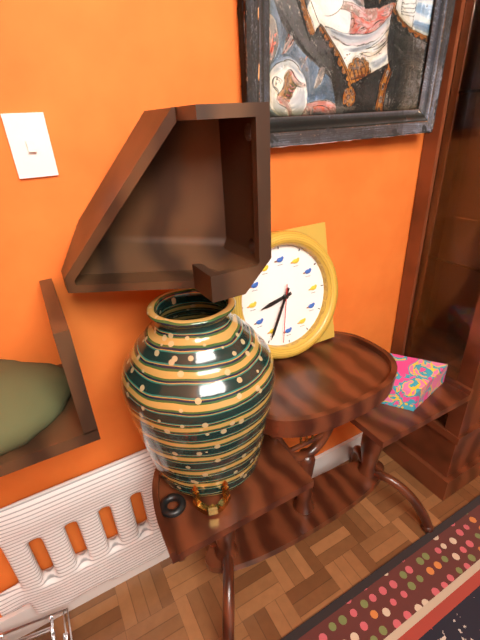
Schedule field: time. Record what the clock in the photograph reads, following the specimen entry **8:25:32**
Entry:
**8:35:32**
